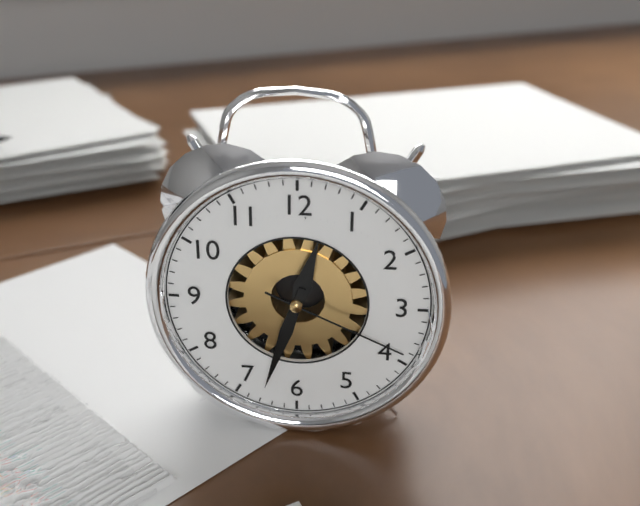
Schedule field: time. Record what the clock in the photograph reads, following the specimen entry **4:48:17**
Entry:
**12:33:19**
